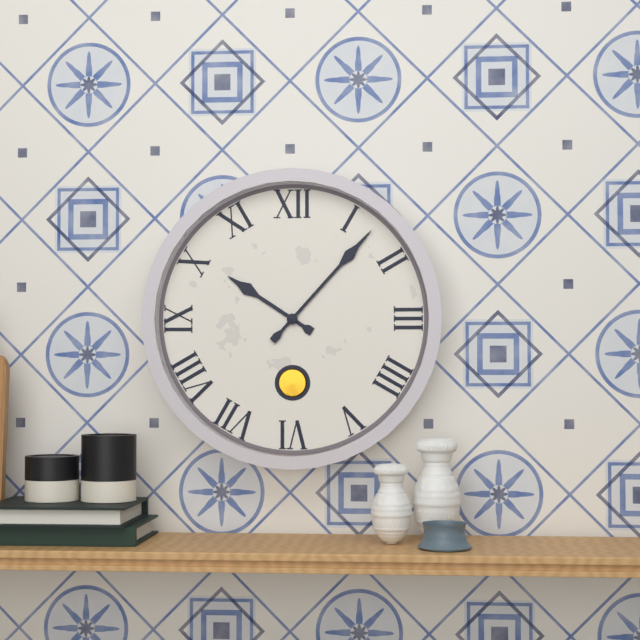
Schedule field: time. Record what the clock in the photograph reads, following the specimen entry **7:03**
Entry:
**10:07**
